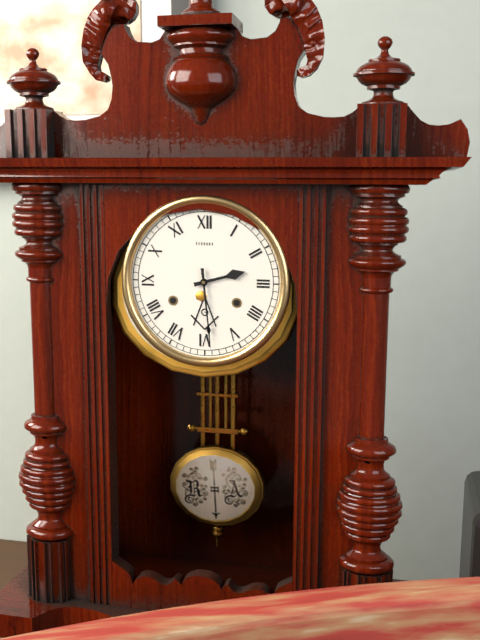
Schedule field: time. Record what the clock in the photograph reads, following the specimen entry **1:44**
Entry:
**2:29**
